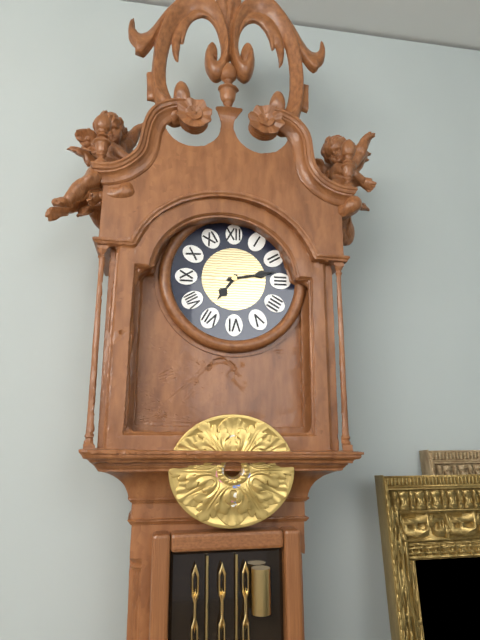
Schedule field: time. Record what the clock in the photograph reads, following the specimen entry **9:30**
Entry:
**7:13**
